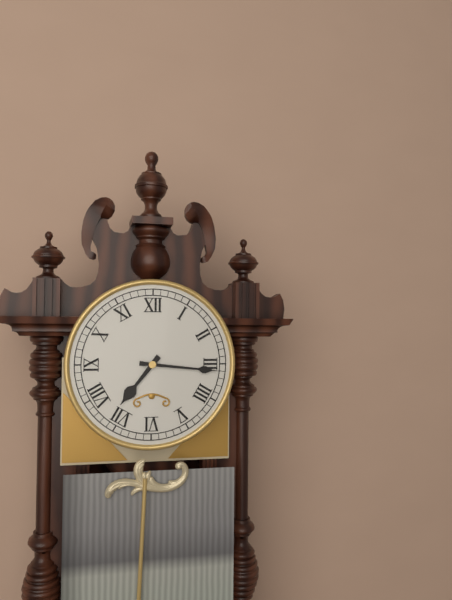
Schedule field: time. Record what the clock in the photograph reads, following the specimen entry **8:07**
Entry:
**7:16**
